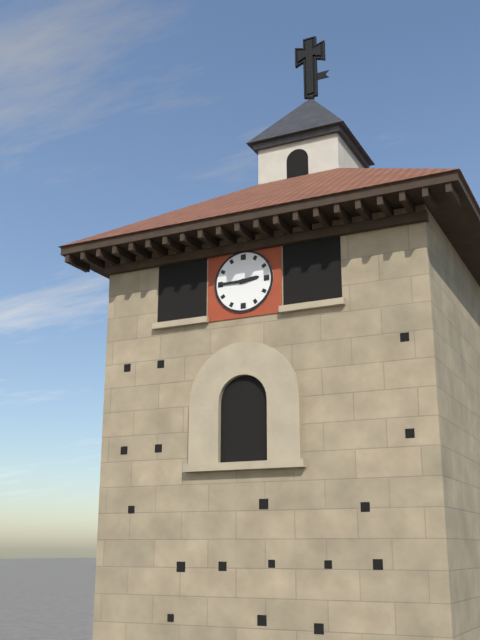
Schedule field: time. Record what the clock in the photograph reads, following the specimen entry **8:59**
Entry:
**2:45**
